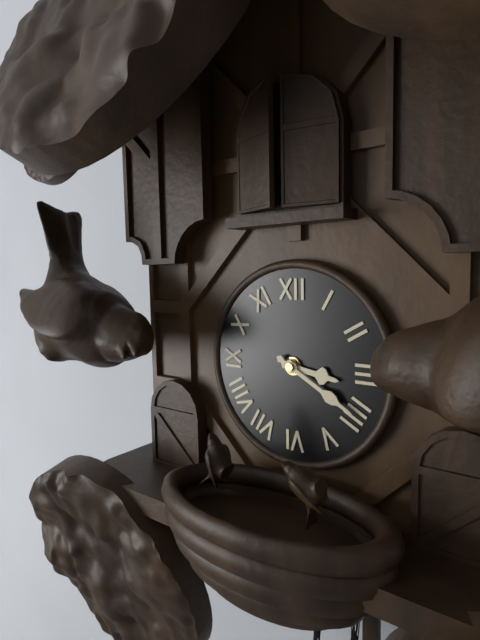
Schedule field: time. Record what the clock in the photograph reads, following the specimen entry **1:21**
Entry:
**3:20**
